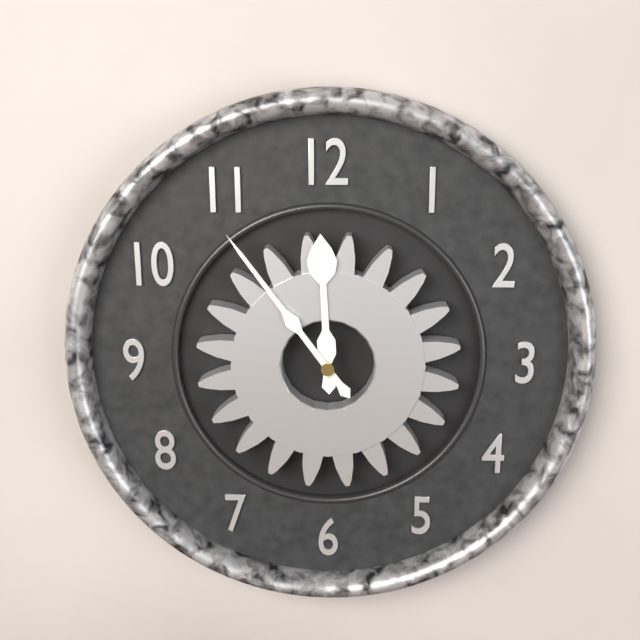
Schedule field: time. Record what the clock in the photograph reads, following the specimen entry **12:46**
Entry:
**11:54**
